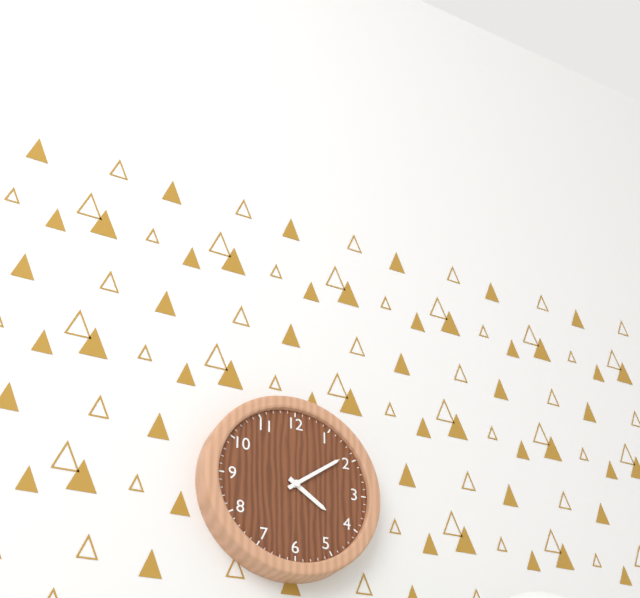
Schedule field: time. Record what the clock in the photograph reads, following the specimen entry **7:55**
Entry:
**4:09**
